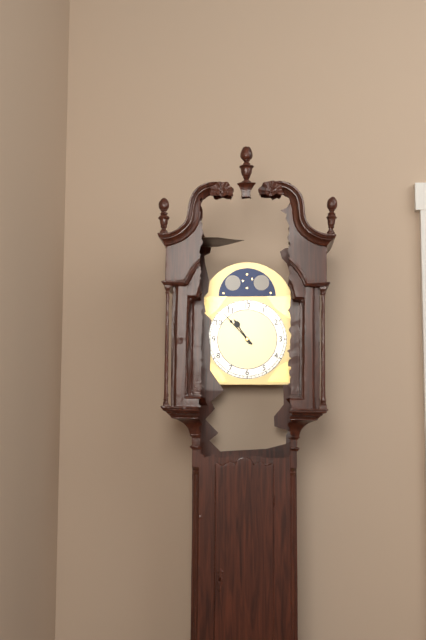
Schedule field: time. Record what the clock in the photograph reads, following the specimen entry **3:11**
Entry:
**10:53**
